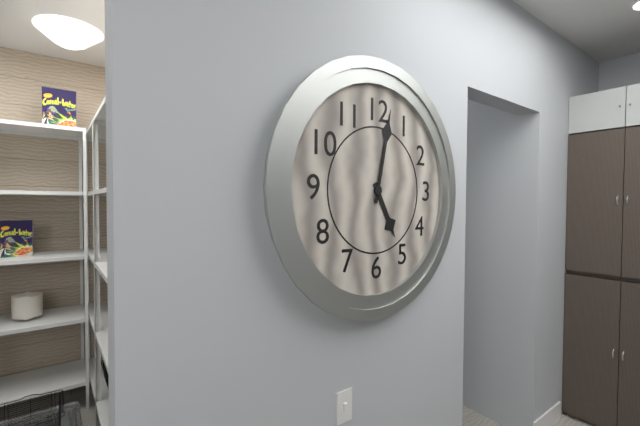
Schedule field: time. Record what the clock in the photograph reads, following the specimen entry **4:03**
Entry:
**5:02**
